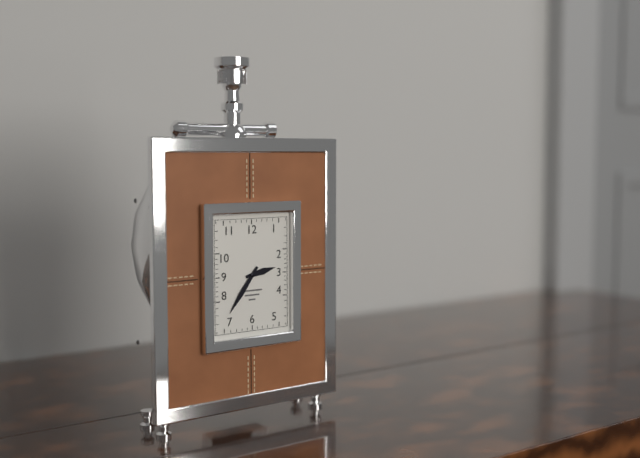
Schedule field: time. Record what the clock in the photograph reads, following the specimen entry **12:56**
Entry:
**2:36**
